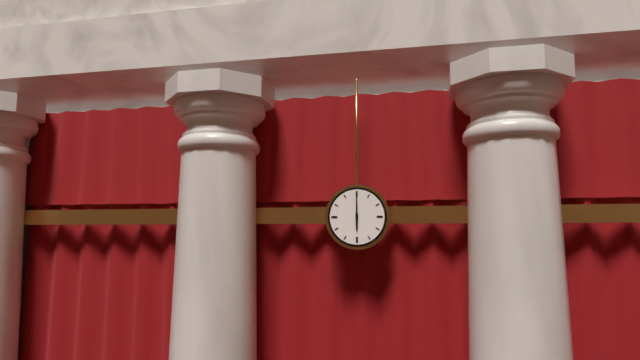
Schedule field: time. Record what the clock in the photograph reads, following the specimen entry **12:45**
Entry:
**6:00**
